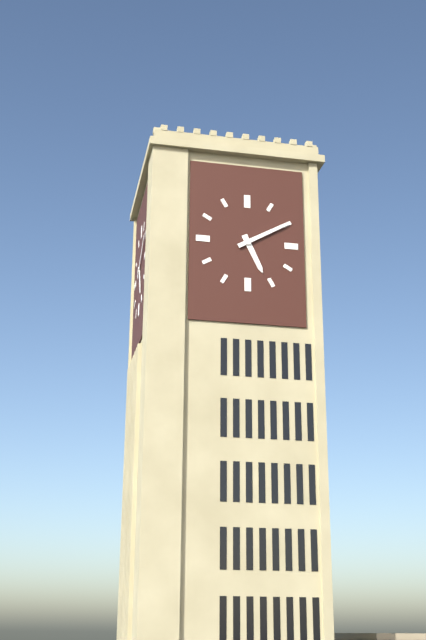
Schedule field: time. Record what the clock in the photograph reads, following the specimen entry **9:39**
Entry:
**5:10**
